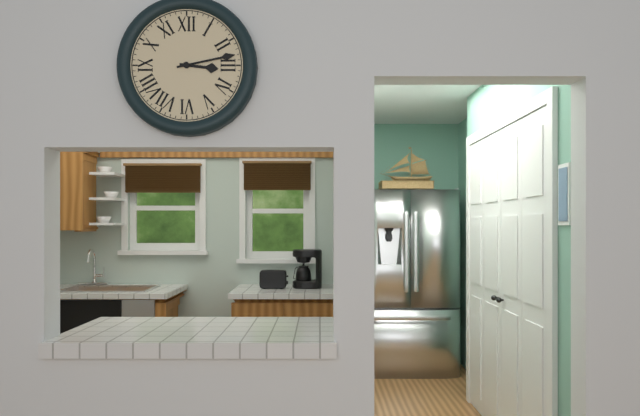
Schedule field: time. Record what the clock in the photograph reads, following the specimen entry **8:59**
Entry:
**3:13**
